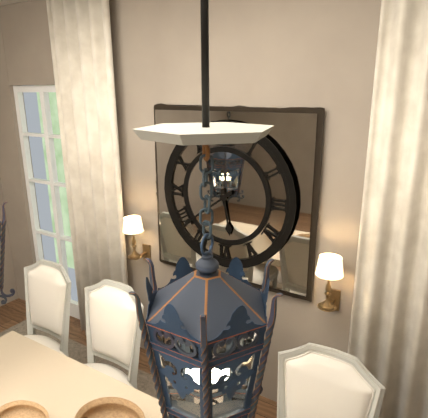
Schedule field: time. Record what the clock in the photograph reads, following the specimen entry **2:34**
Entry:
**5:39**
